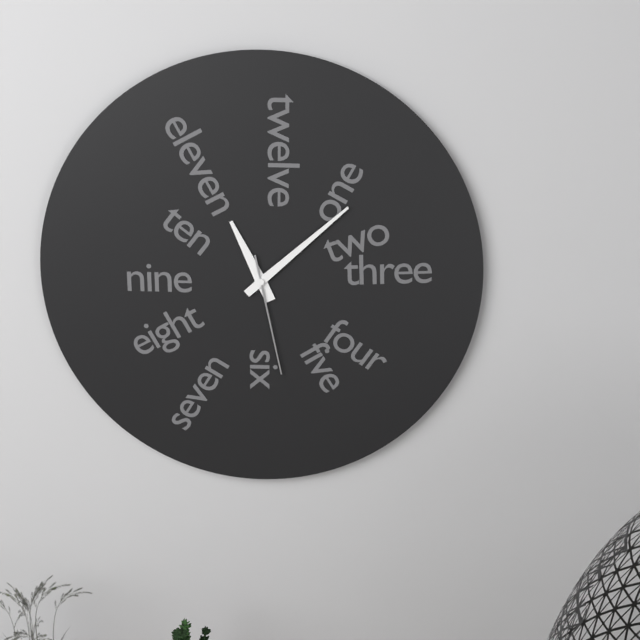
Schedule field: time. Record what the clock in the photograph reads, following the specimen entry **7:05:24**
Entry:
**11:08:28**
